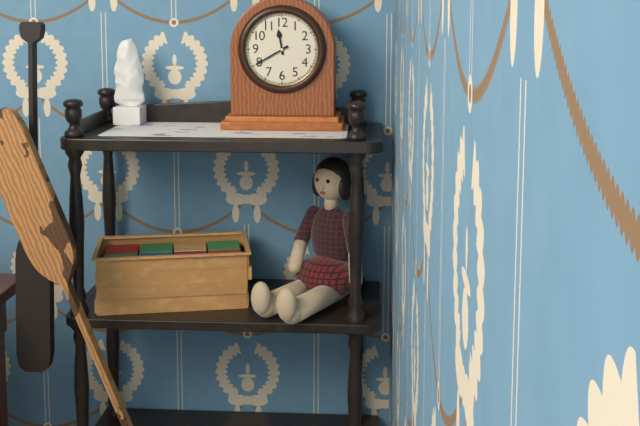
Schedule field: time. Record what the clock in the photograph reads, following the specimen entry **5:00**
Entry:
**11:40**
